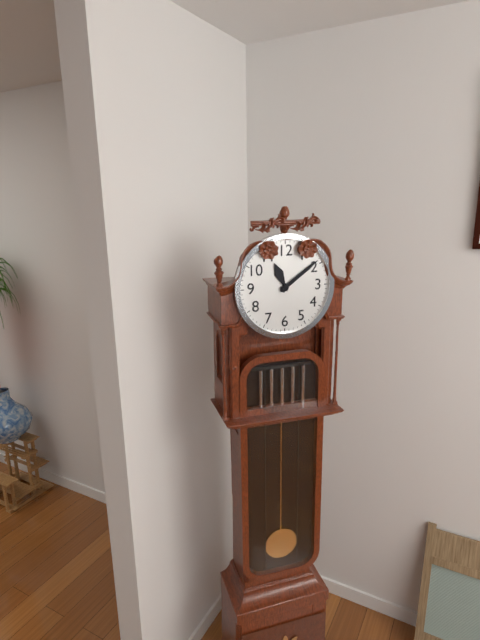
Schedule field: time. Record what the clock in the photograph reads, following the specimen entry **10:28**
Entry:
**11:09**
